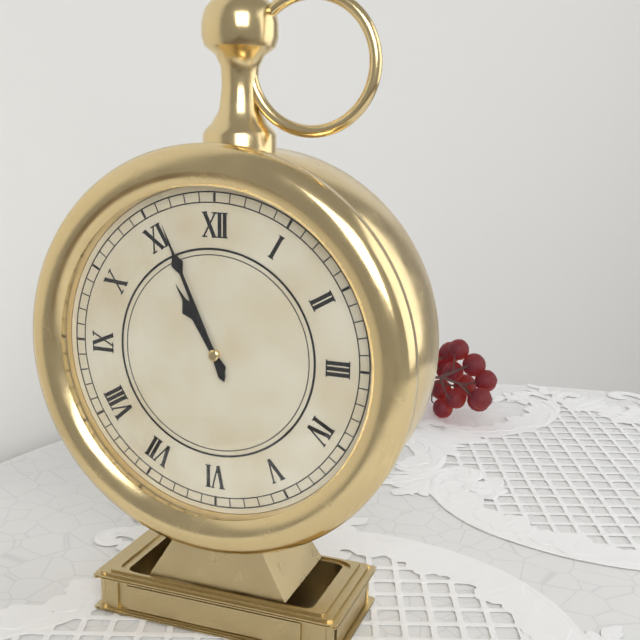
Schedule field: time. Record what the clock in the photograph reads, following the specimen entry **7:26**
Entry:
**10:56**
